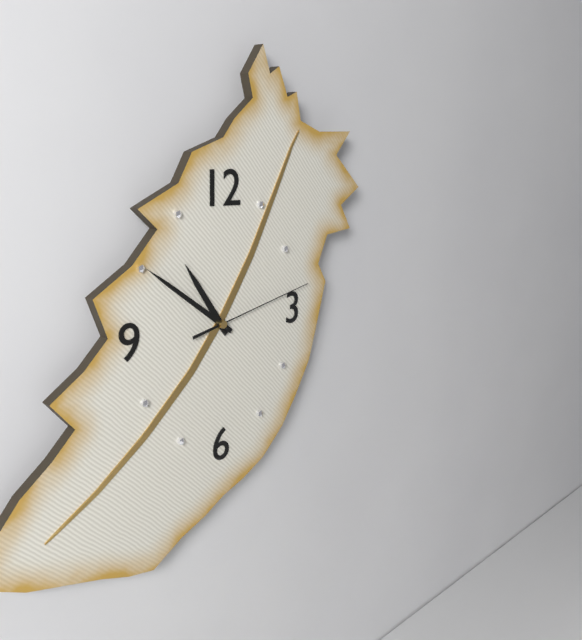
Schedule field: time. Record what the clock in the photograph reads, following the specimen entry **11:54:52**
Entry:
**10:51:13**
